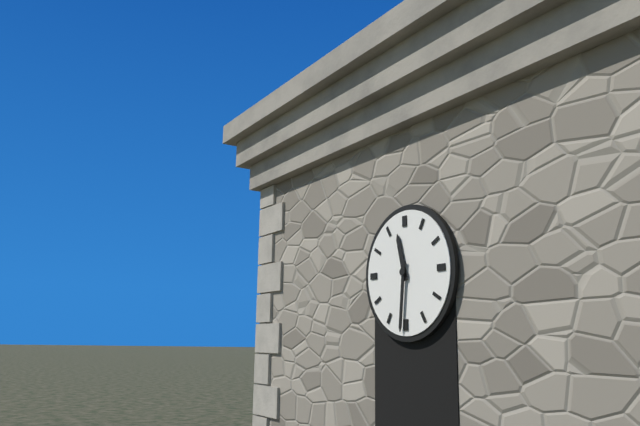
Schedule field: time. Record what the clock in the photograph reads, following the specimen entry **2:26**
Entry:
**11:31**
